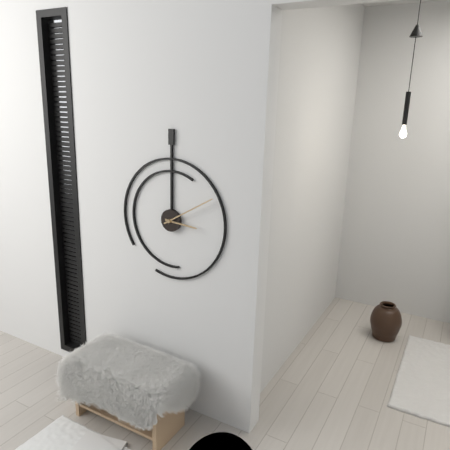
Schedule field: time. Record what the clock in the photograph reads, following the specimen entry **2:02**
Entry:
**3:10**
